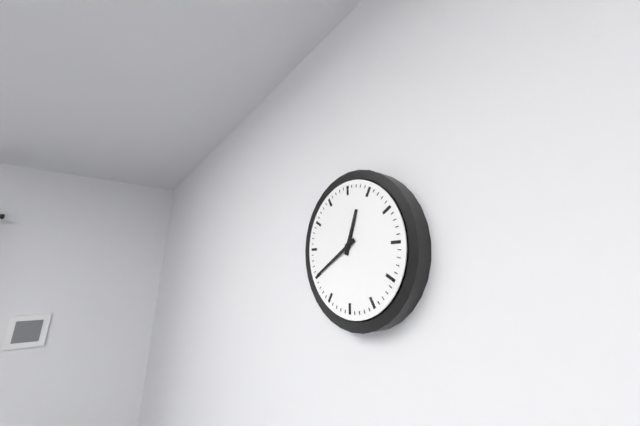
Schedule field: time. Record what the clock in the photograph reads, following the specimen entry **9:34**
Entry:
**12:40**
